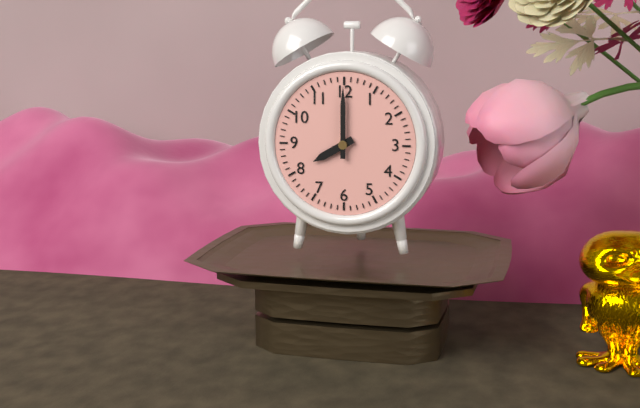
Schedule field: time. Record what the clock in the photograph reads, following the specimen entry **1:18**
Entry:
**8:00**
